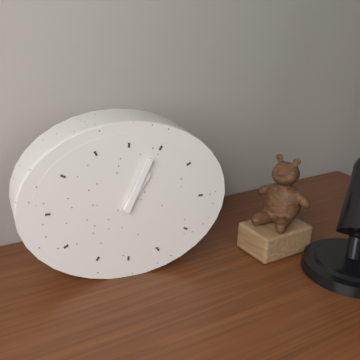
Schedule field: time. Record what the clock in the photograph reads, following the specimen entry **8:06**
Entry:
**1:04**
